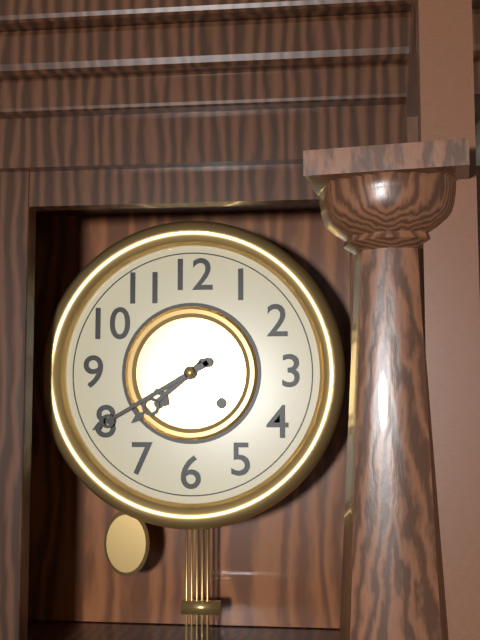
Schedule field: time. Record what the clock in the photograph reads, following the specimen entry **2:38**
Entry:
**7:40**
